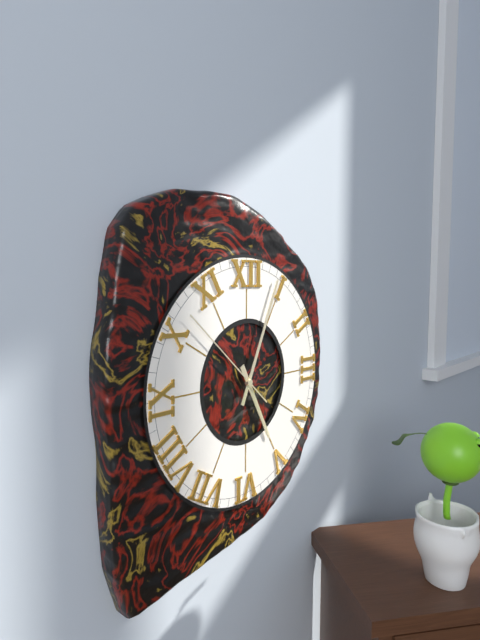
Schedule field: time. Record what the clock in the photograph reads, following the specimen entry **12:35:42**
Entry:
**5:04:52**
